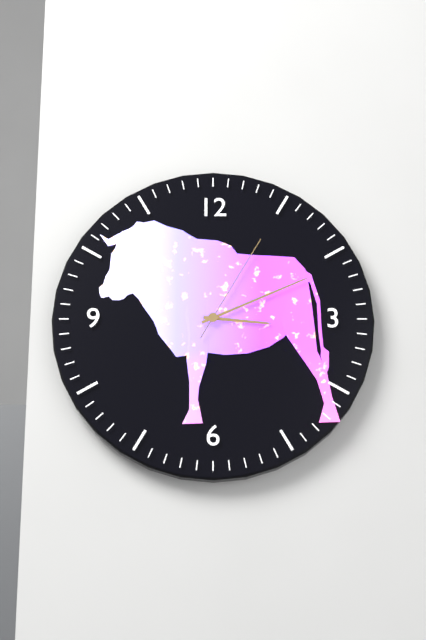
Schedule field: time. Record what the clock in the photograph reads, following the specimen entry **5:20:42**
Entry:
**3:11:05**
